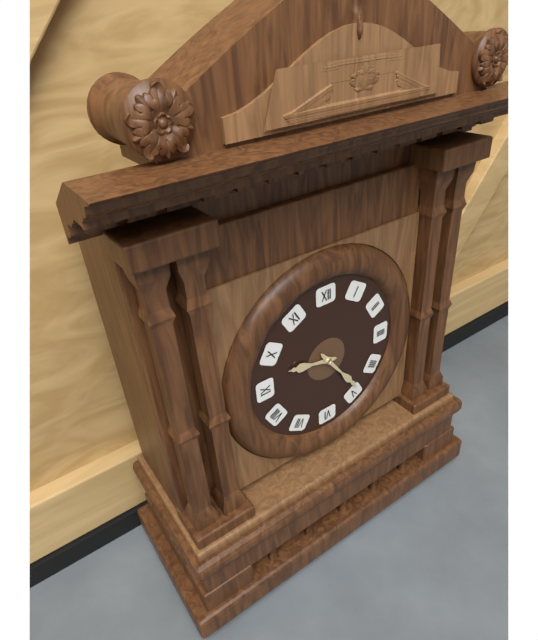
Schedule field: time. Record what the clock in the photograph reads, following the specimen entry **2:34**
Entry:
**9:24**
